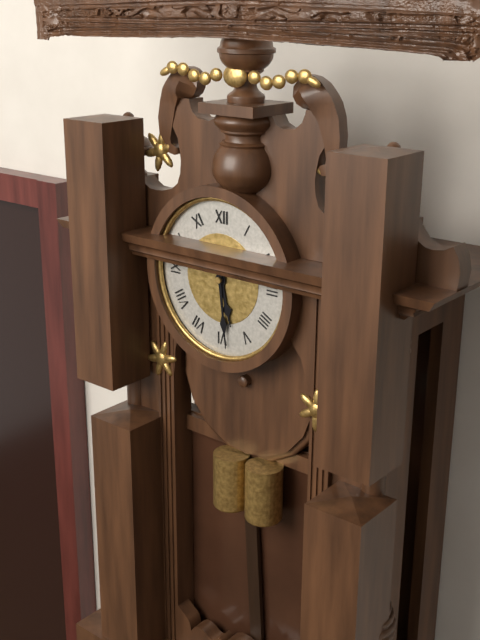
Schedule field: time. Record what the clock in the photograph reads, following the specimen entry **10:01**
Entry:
**5:29**
